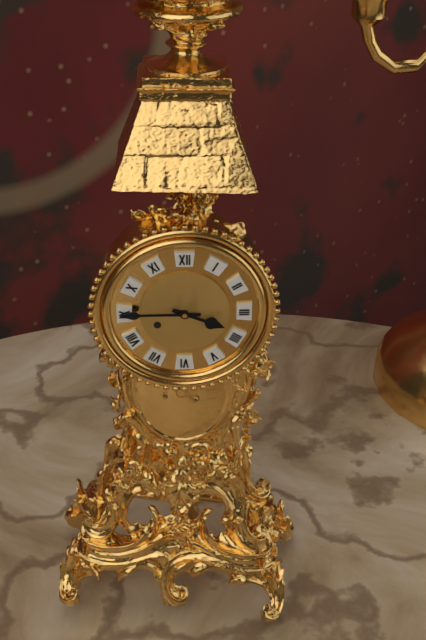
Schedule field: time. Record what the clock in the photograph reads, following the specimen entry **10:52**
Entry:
**3:45**
